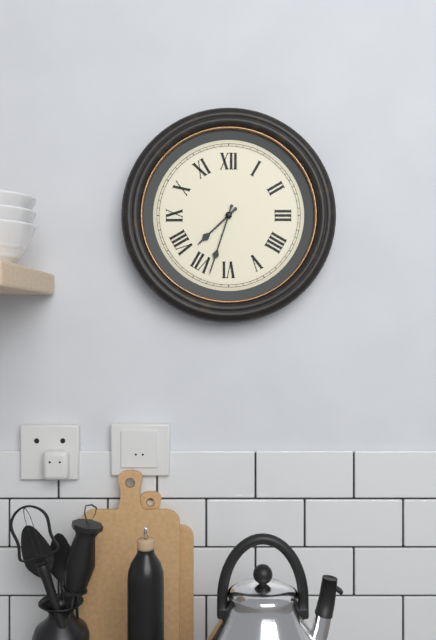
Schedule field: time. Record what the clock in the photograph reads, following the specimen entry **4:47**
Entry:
**7:33**
